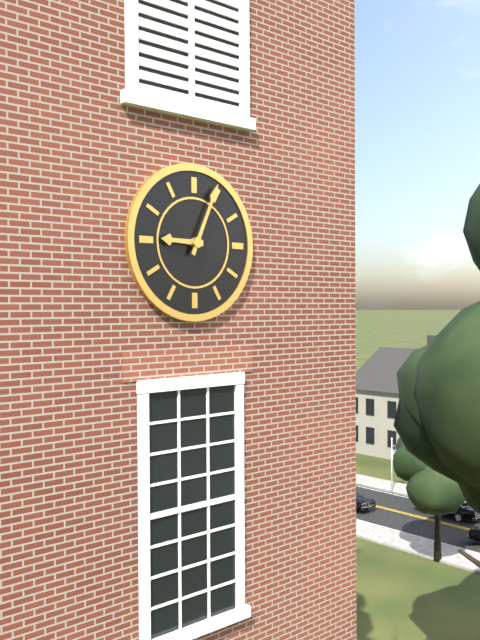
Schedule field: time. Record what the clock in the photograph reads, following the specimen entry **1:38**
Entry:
**9:04**
